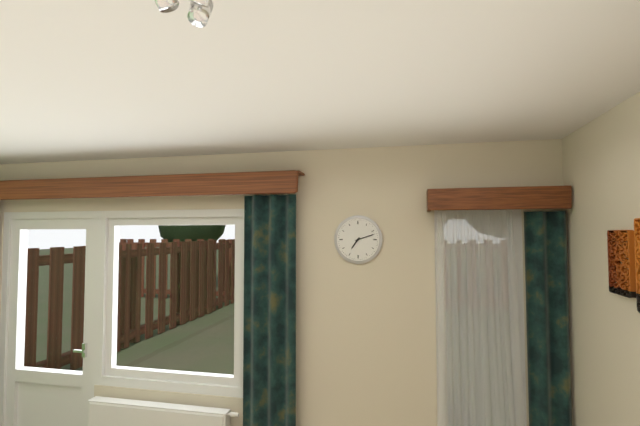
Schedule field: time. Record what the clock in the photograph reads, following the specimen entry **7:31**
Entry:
**7:12**
